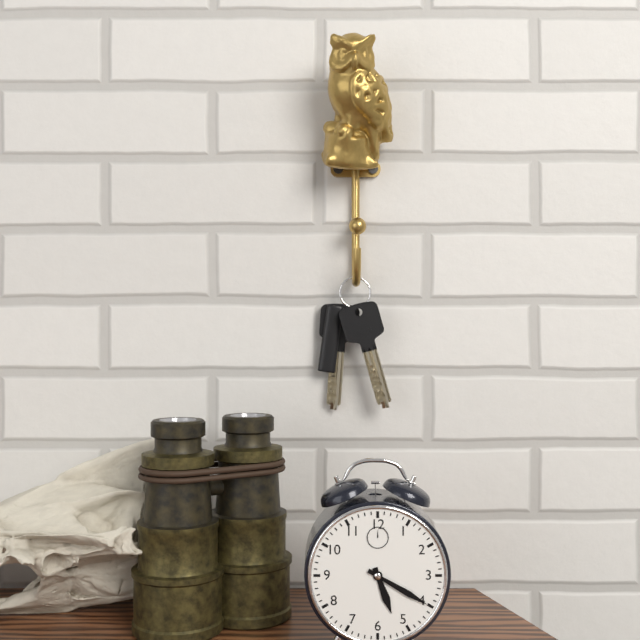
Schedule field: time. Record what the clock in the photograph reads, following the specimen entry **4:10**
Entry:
**5:20**
